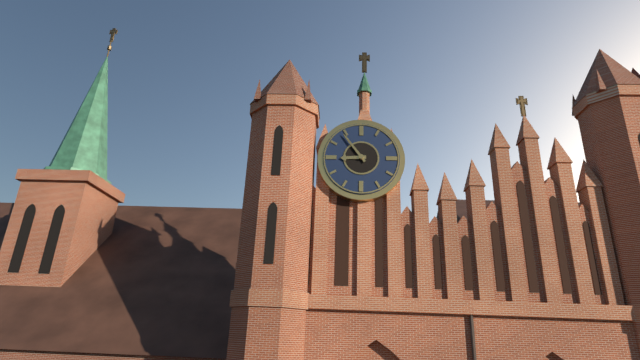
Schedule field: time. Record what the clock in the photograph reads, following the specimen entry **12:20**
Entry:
**8:54**
